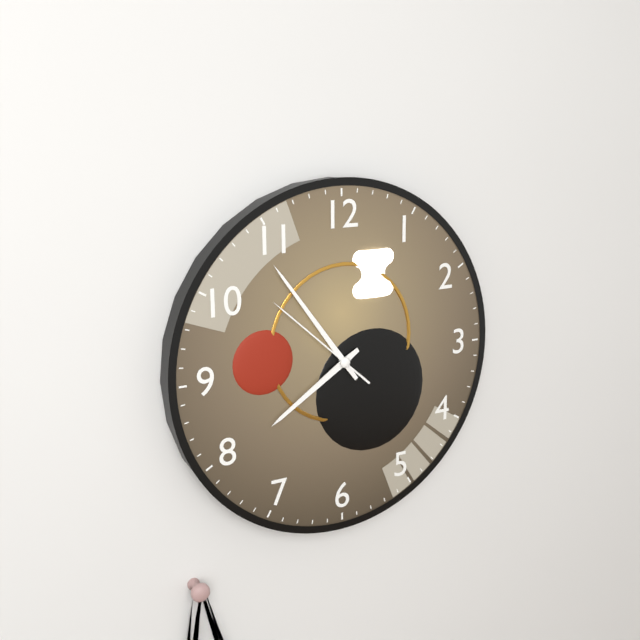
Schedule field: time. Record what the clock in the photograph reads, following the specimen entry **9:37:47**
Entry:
**7:54:52**
